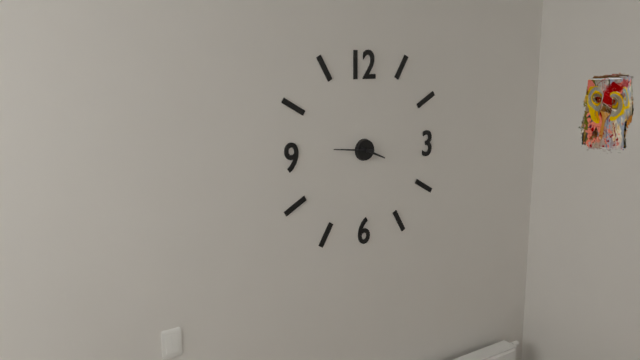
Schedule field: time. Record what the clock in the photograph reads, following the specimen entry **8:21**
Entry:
**3:46**
